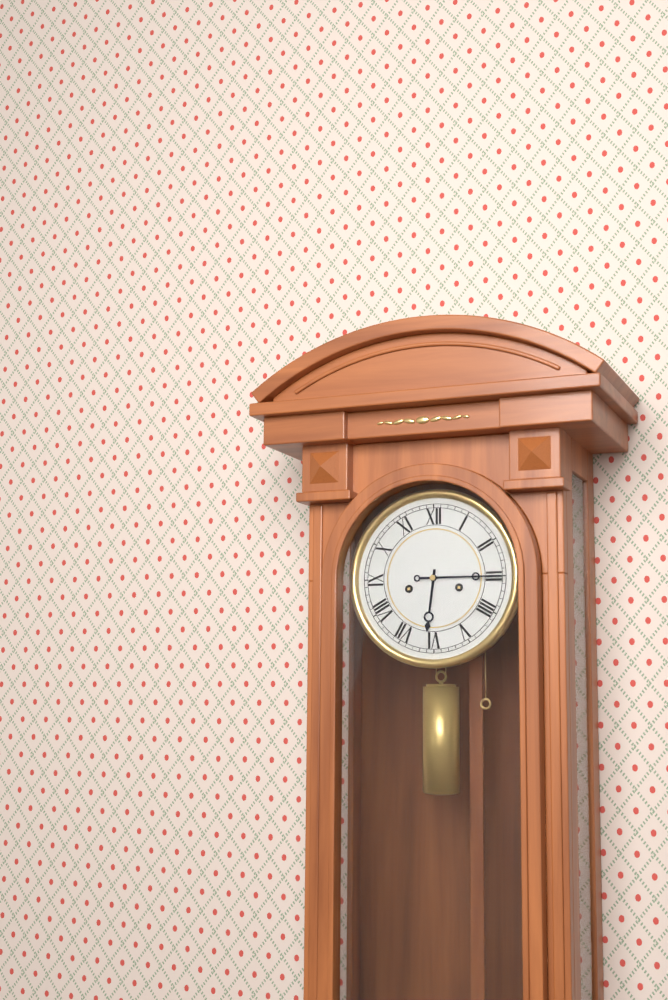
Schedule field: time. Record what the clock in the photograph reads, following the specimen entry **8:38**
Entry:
**6:15**
